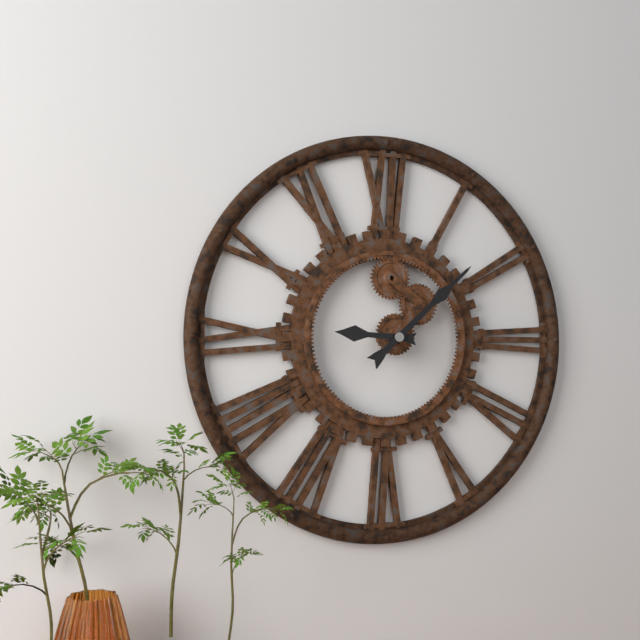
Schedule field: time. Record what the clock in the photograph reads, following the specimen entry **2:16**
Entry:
**9:08**
